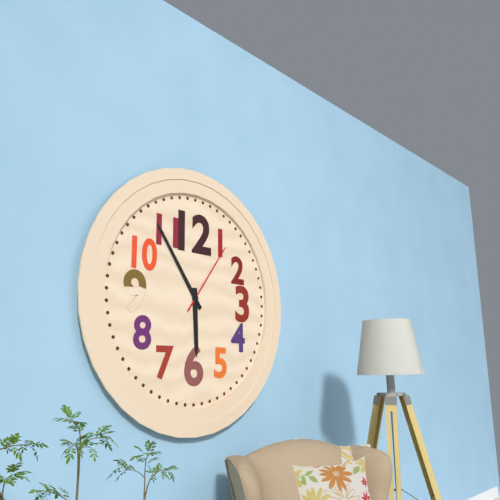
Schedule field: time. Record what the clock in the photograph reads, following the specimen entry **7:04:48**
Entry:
**5:54:06**
